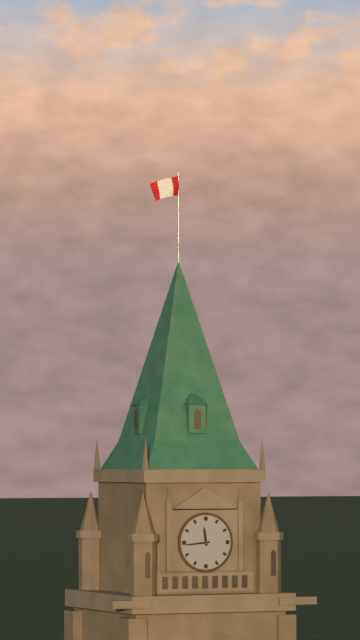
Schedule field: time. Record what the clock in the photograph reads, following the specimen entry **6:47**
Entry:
**11:44**
